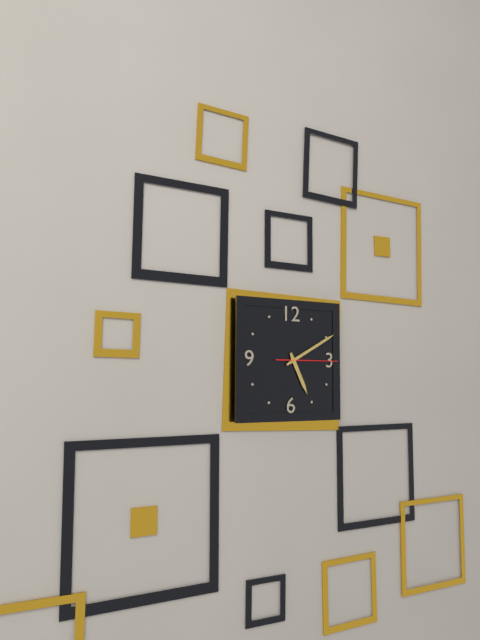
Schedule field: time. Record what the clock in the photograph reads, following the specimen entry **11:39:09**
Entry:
**5:10:15**
